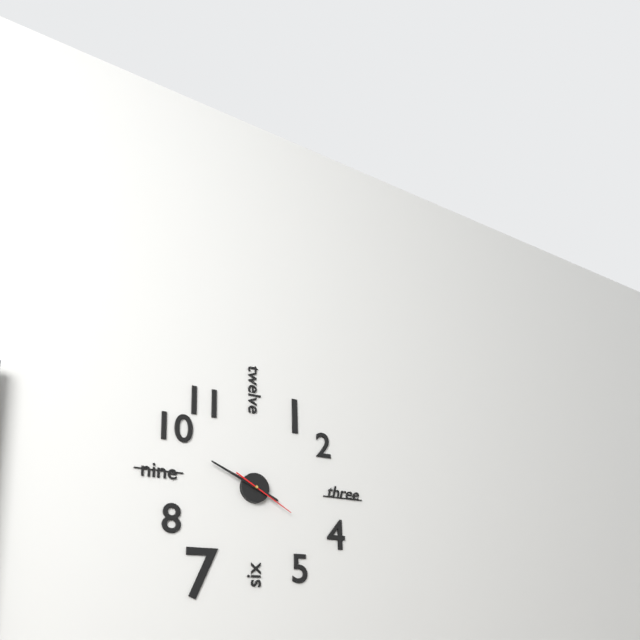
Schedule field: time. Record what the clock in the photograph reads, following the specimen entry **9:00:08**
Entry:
**3:49:20**
